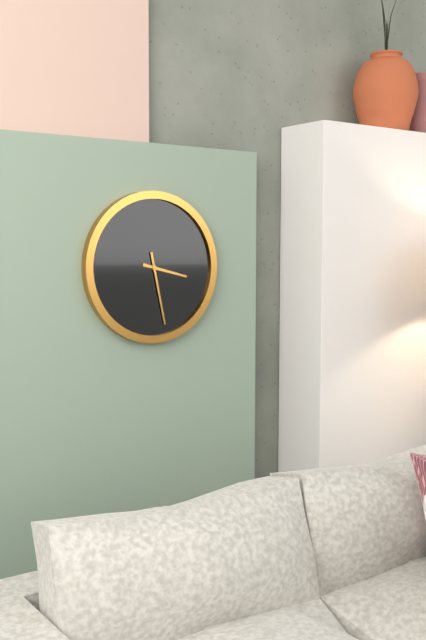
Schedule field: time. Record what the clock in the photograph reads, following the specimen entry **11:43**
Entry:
**3:28**
